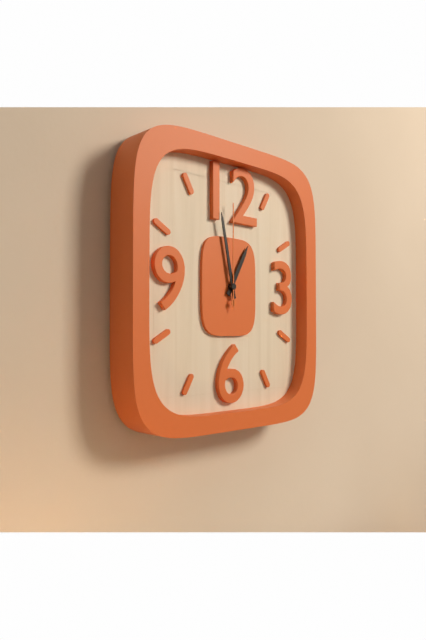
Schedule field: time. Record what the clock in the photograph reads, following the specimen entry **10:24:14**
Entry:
**12:58:00**
